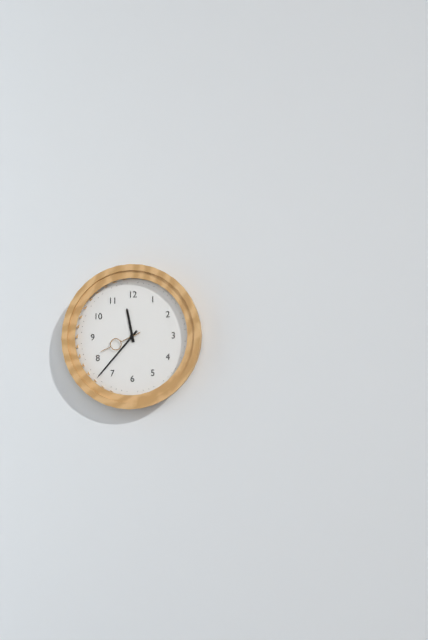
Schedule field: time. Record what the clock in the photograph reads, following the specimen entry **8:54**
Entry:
**11:37**
